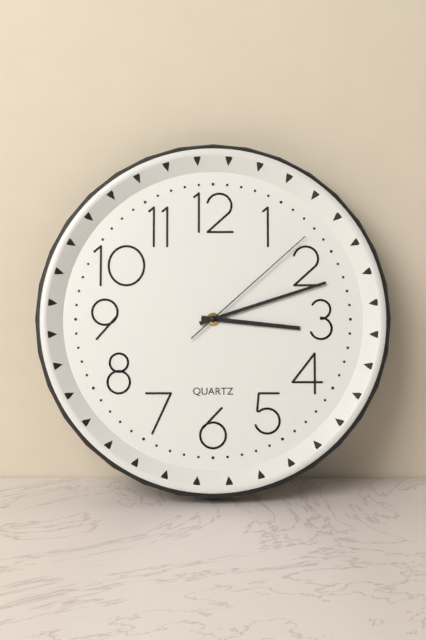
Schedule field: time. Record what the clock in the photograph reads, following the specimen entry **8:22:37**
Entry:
**3:12:08**
